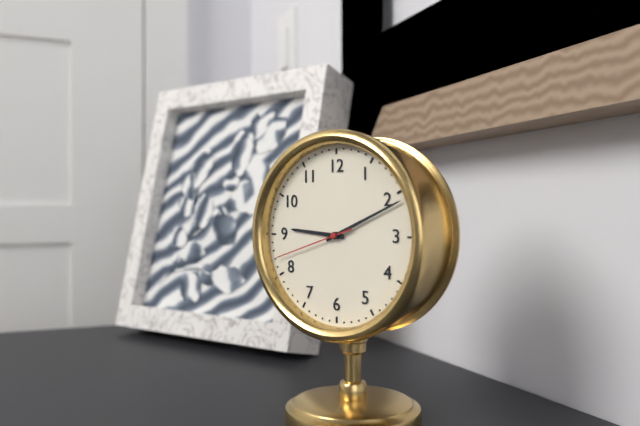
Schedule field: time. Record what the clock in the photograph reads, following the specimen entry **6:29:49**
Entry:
**9:11:42**
